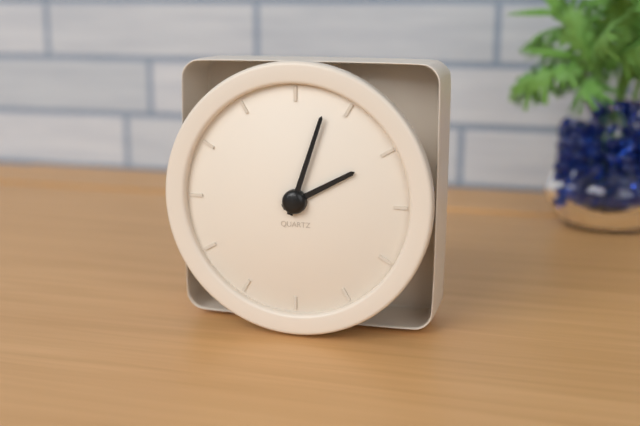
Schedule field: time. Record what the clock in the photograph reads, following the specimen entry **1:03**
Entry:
**2:03**
